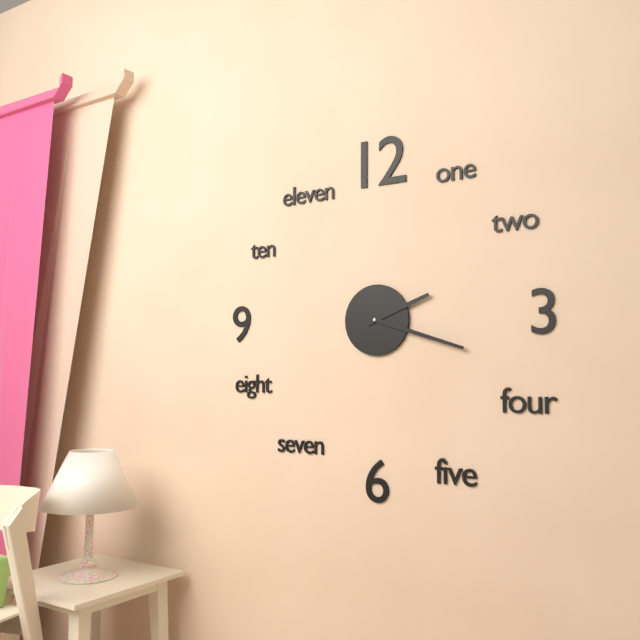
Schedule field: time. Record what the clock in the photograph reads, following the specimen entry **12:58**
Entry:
**2:18**
